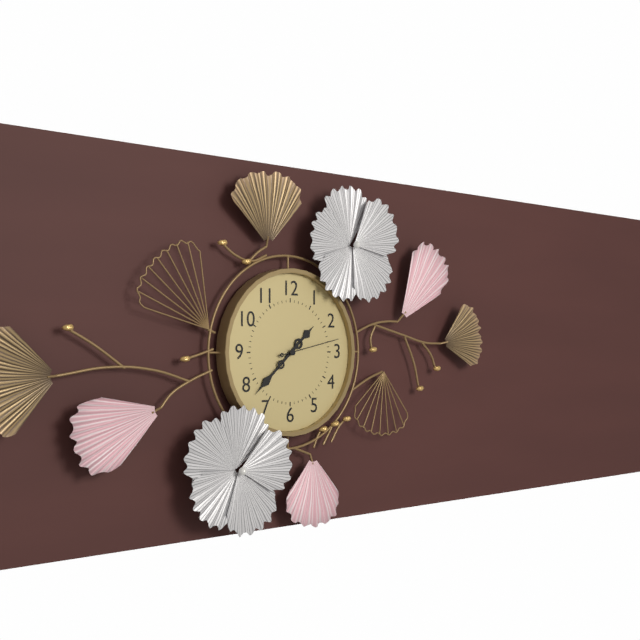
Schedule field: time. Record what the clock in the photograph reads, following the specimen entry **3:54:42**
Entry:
**1:38:13**
